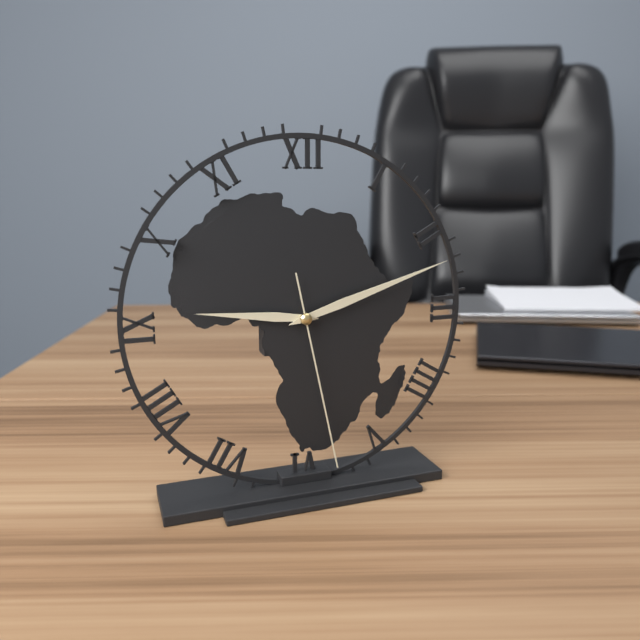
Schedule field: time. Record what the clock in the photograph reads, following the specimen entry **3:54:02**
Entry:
**9:12:28**
